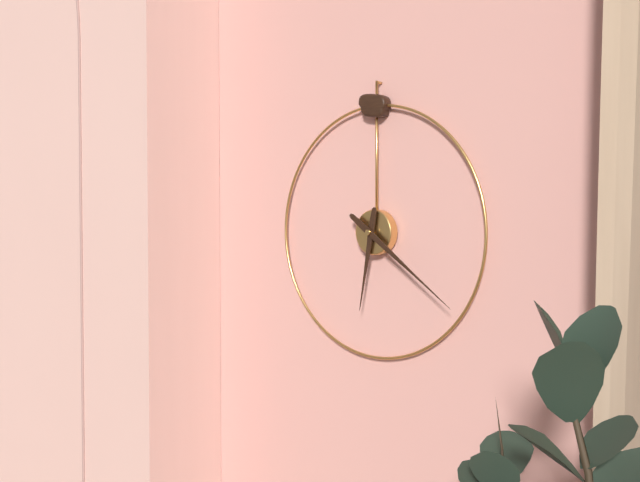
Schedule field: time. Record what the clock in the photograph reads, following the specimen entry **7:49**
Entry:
**6:21**
